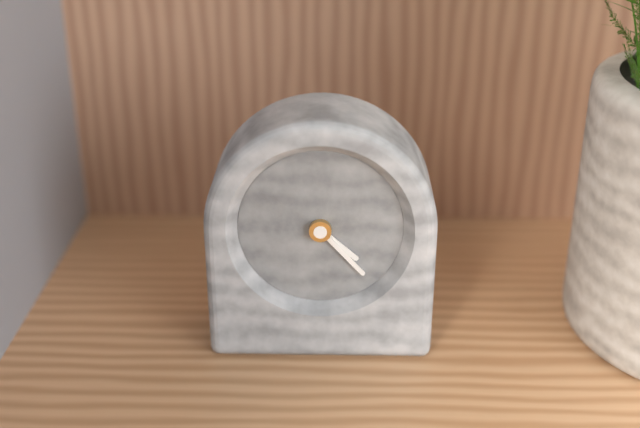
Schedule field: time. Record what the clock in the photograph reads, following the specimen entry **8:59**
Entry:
**4:23**
